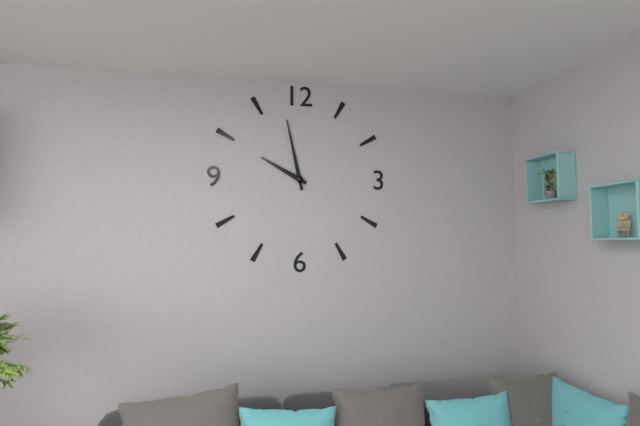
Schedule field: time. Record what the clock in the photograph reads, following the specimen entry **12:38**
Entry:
**9:58**
